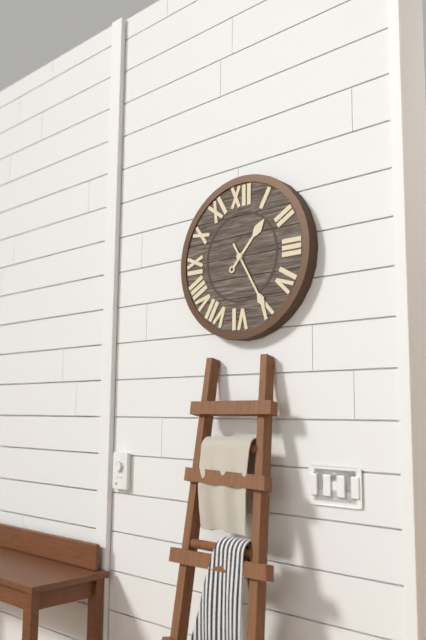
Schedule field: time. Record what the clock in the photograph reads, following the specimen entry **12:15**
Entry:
**1:25**
